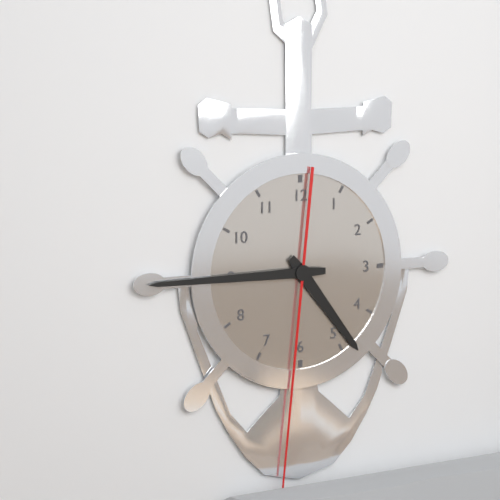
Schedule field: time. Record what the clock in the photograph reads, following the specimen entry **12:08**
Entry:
**4:45**
